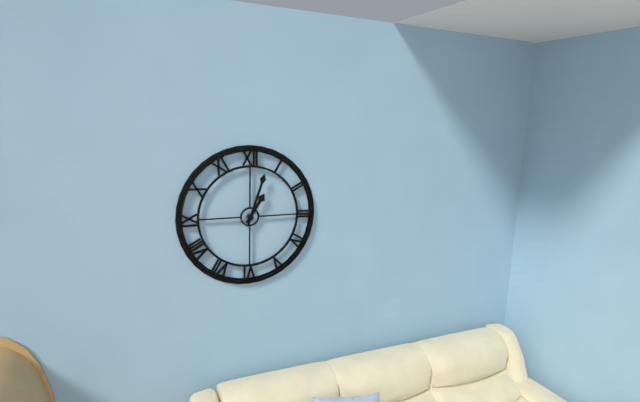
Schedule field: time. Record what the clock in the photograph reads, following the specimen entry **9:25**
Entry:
**1:03**
